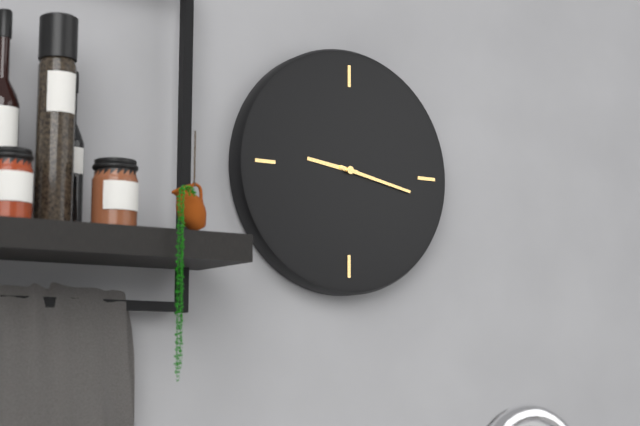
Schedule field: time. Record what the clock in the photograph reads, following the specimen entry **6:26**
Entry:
**9:17**
